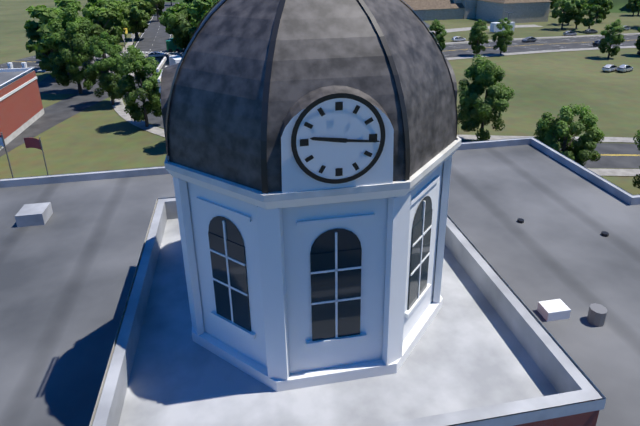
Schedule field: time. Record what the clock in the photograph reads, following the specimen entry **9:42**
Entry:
**9:16**
